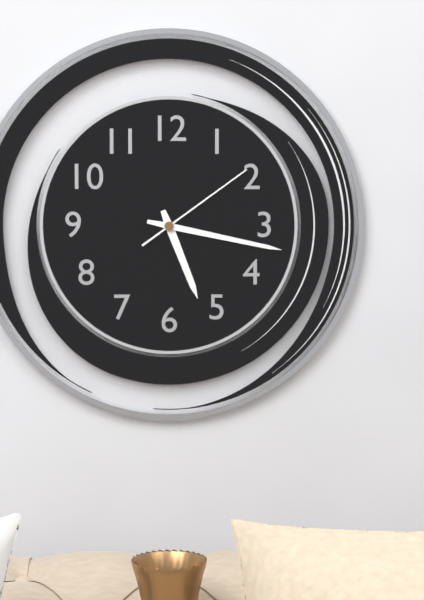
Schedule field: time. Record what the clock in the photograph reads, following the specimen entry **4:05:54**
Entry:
**5:17:09**
